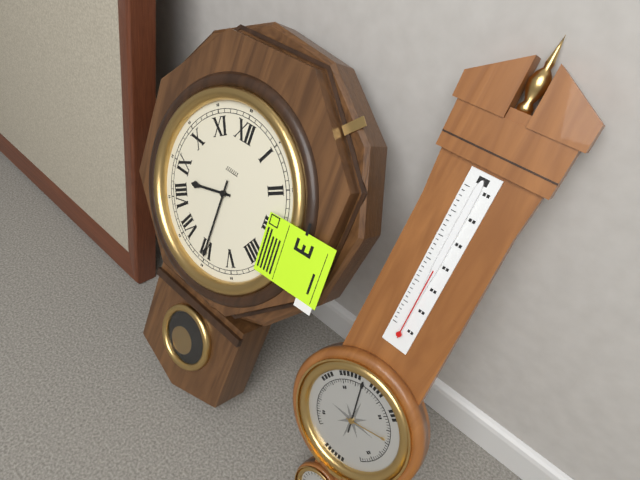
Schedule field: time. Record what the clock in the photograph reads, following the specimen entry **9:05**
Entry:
**8:30**
